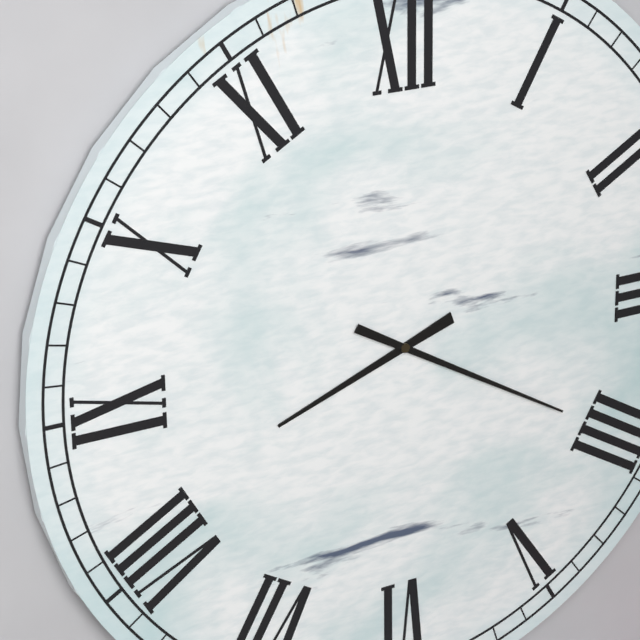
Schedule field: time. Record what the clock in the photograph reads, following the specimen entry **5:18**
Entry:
**8:20**
